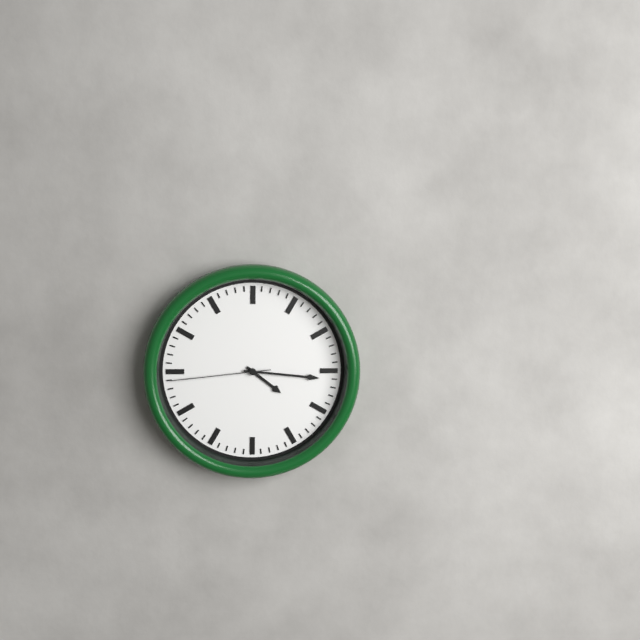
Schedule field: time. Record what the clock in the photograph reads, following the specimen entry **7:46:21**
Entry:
**4:16:44**
